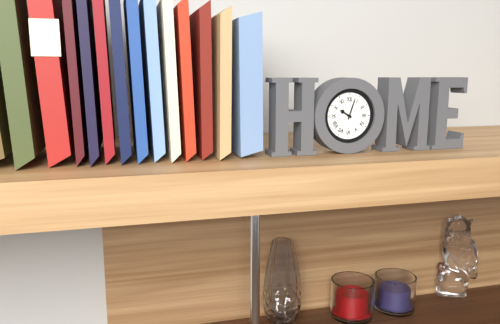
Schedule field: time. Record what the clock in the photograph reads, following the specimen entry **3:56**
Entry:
**10:03**
